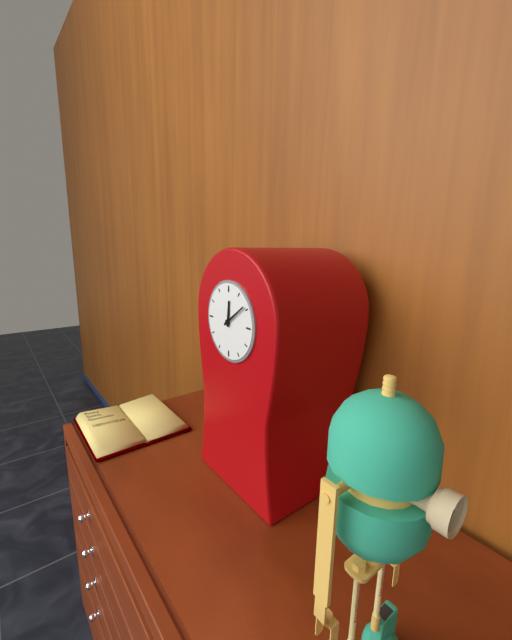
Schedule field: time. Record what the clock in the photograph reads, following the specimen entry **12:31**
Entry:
**12:09**
